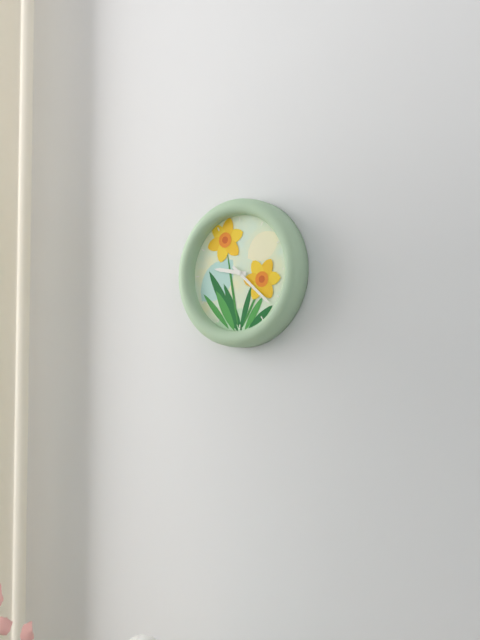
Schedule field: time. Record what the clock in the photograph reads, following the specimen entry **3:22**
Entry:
**9:22**
